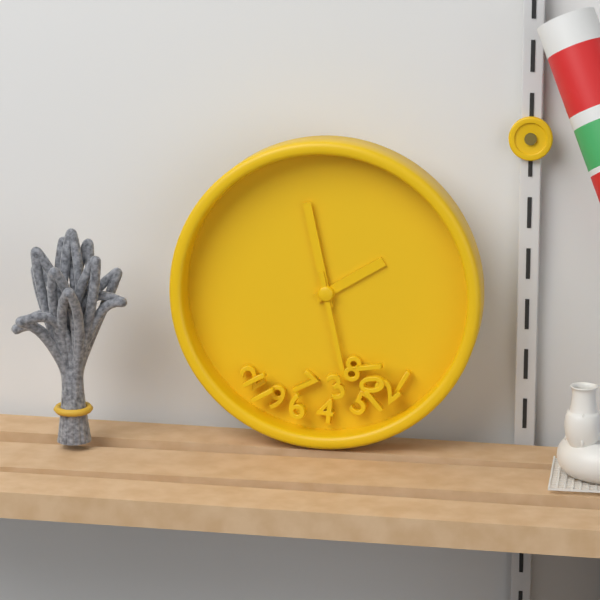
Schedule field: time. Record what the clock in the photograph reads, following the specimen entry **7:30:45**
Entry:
**1:58:28**
